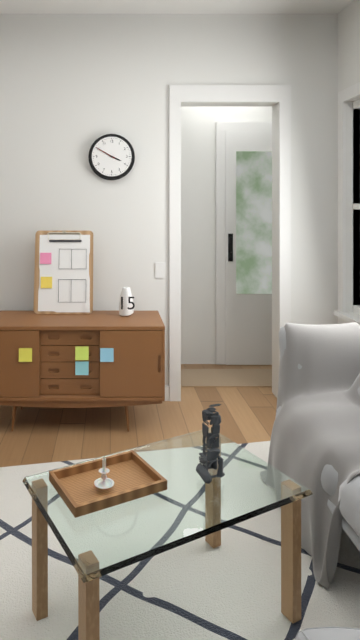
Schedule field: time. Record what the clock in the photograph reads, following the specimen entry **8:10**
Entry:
**3:50**
